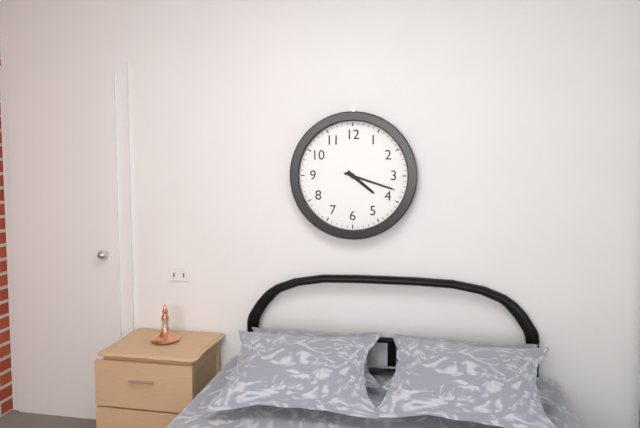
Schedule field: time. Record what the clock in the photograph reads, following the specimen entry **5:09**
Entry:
**4:18**
